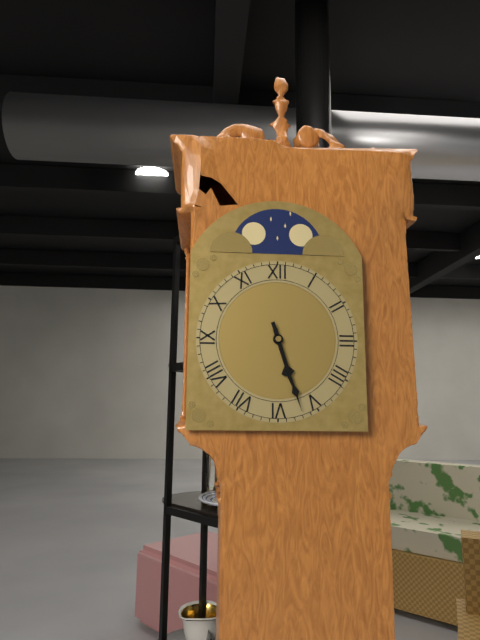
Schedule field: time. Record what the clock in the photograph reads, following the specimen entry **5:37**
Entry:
**5:27**
